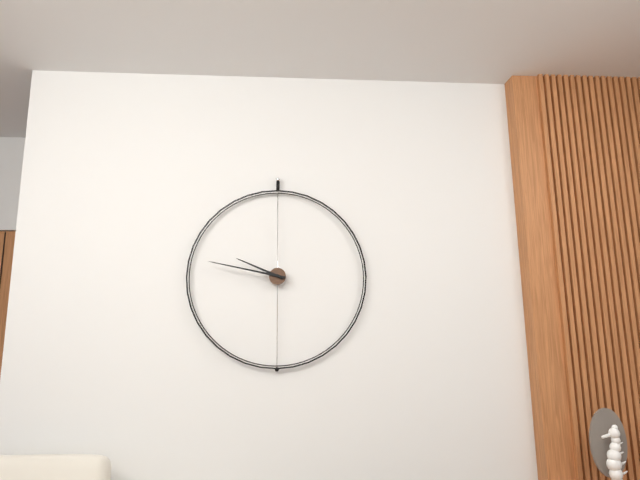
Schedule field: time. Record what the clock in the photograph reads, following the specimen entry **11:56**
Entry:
**9:47**
